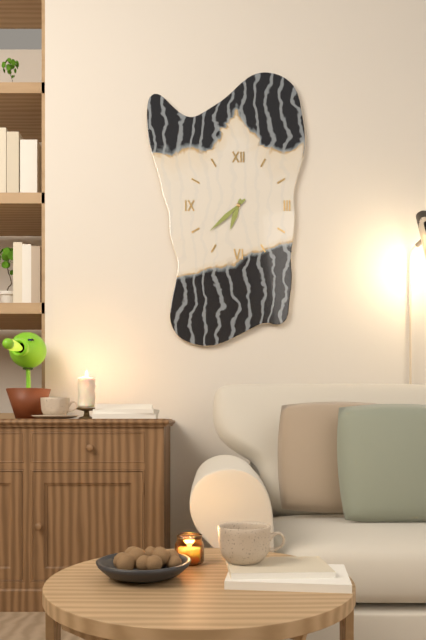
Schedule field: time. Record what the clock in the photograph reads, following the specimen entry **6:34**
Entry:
**6:38**
